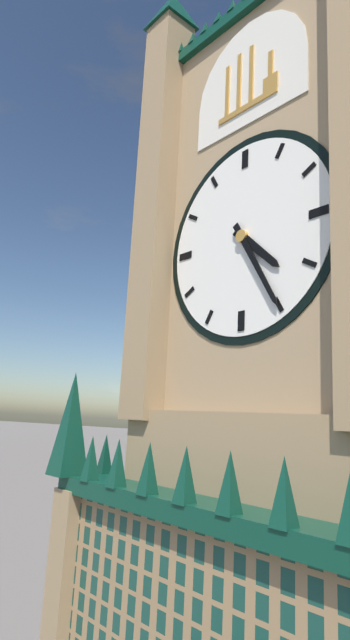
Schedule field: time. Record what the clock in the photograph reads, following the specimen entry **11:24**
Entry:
**4:25**
